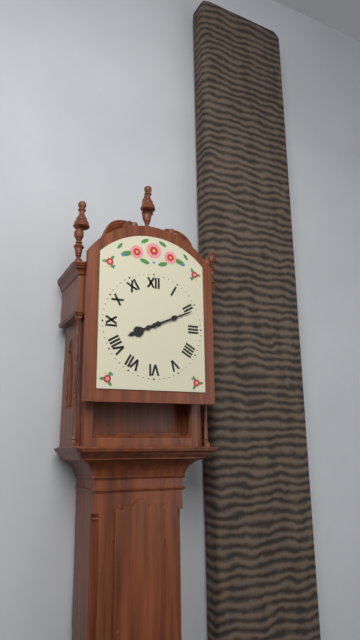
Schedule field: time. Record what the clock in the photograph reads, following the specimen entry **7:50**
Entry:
**8:11**
